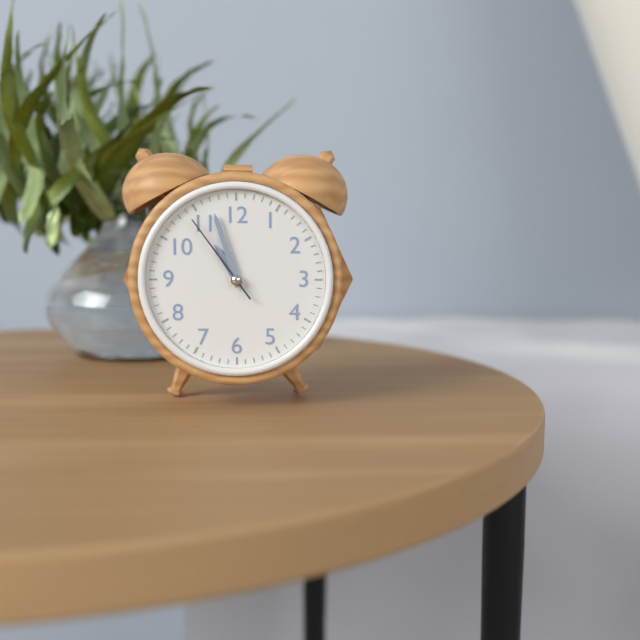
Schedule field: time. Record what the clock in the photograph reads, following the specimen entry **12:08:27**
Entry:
**10:57:54**
